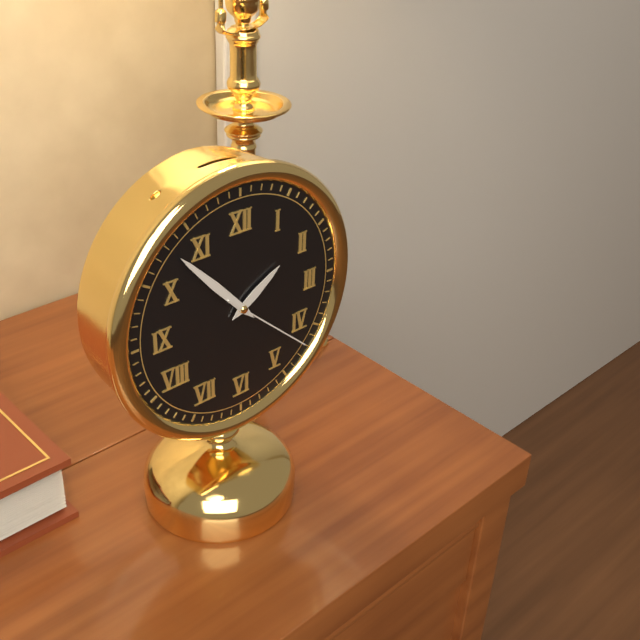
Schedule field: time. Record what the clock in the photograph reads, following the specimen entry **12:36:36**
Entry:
**1:53:22**
